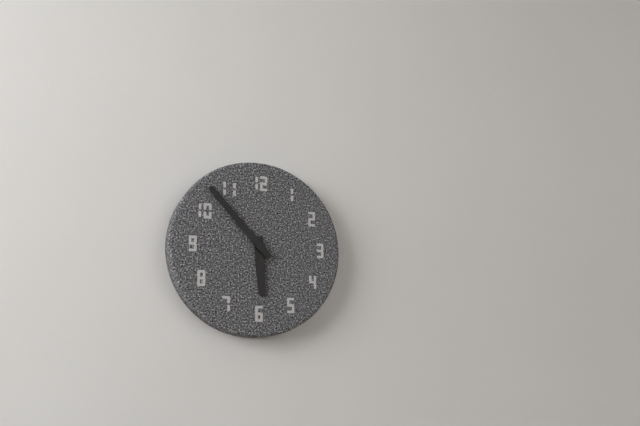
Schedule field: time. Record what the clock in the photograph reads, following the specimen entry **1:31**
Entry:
**5:53**
